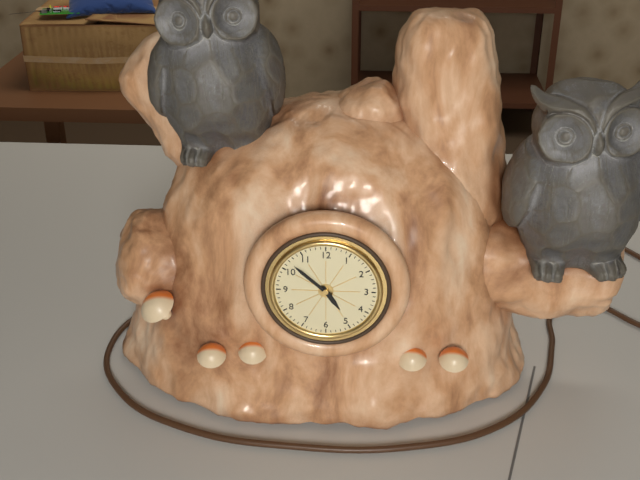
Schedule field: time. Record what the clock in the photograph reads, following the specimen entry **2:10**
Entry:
**4:52**
